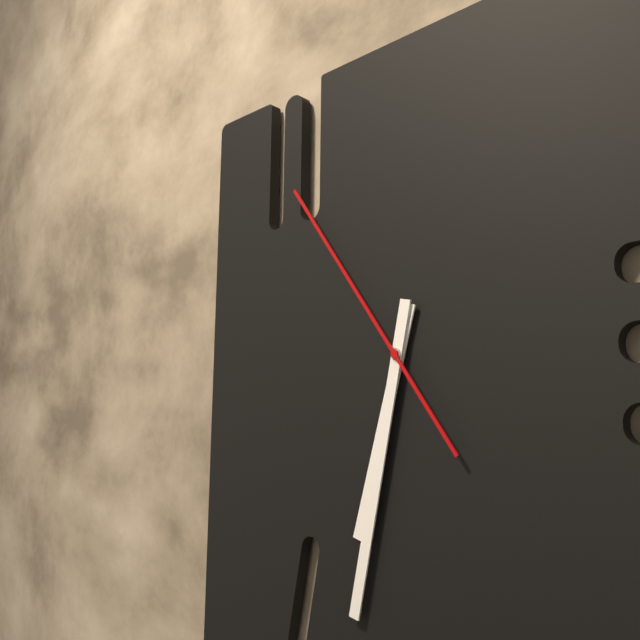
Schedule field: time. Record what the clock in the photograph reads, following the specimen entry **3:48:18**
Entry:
**6:32:54**
